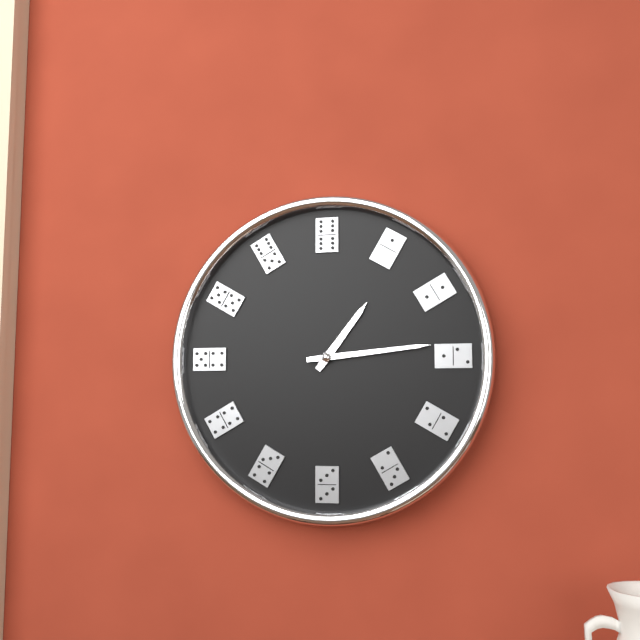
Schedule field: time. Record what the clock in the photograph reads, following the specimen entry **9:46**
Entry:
**1:14**
